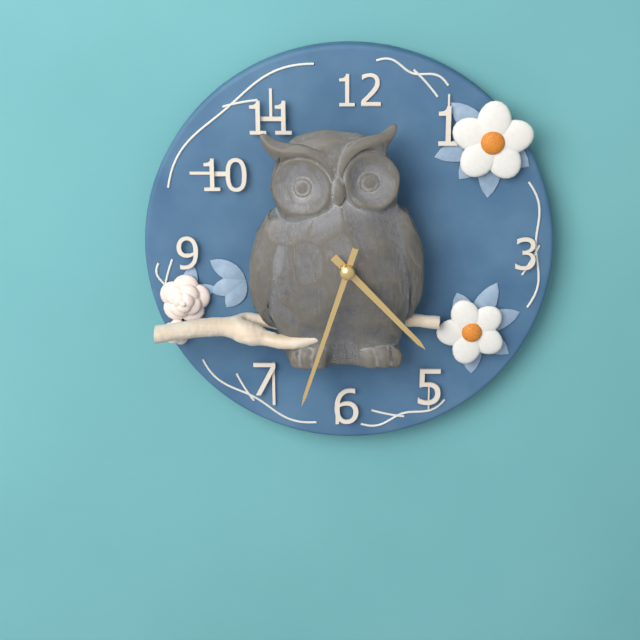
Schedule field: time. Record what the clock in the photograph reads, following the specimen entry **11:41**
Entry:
**4:33**
